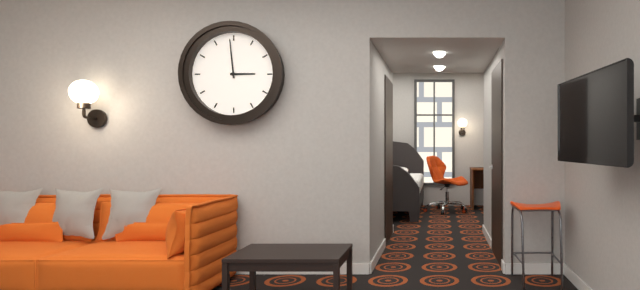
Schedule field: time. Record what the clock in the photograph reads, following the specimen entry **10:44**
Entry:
**2:59**
